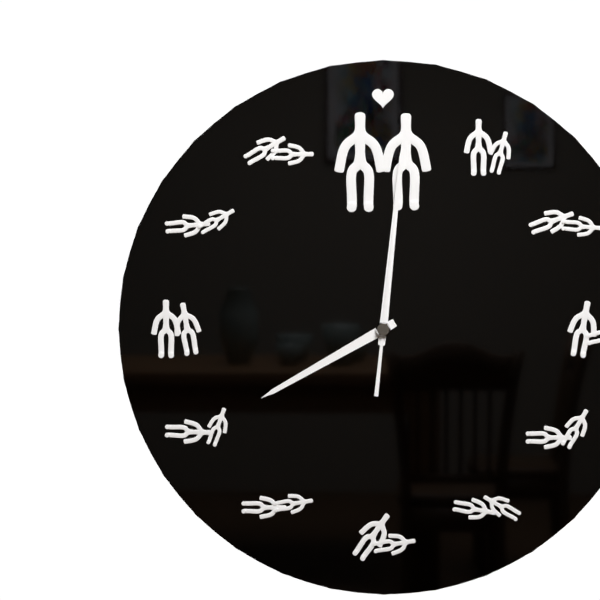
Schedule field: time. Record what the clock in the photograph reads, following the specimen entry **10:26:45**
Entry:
**8:01:01**
